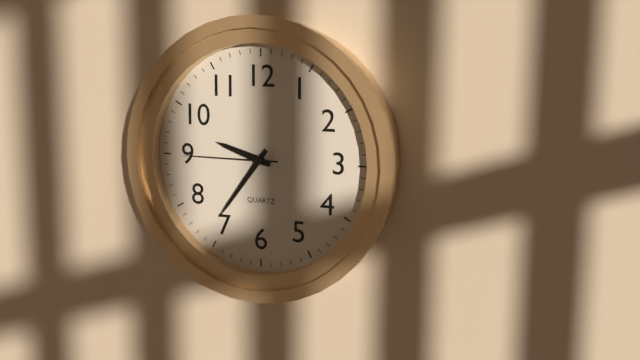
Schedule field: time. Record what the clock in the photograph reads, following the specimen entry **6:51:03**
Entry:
**9:36:45**
